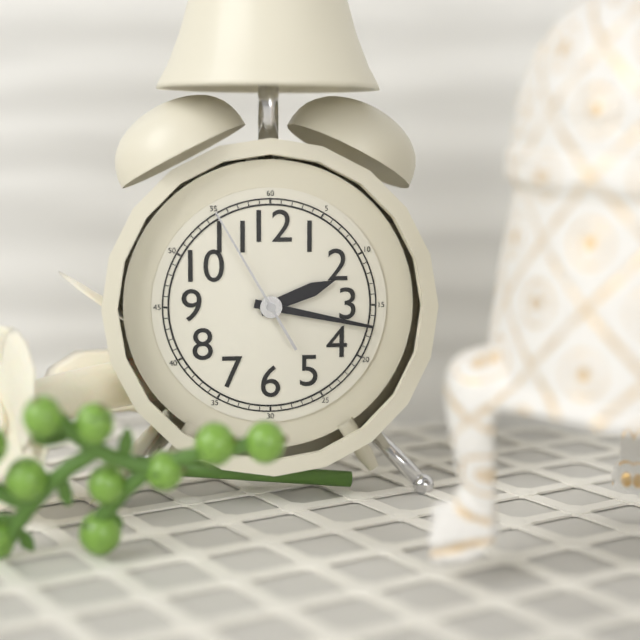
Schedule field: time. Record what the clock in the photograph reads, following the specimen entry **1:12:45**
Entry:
**2:17:55**
